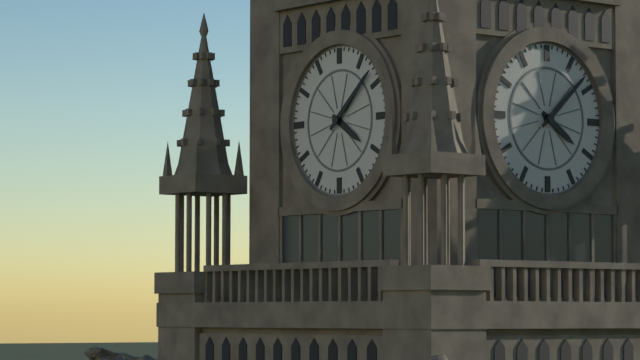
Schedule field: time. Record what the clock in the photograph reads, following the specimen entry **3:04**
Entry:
**4:08**
